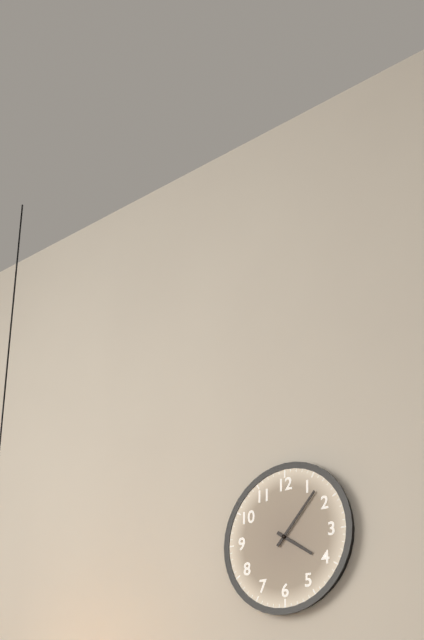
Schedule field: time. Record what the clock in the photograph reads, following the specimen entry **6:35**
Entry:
**4:07**
